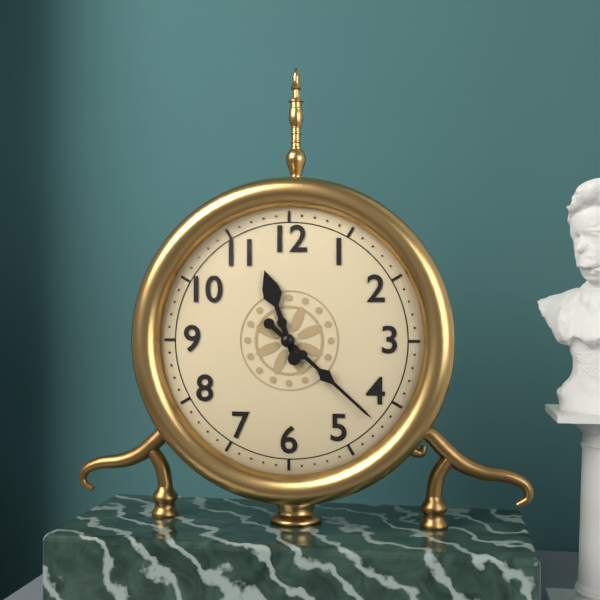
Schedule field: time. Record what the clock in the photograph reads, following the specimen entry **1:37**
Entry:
**11:22**
